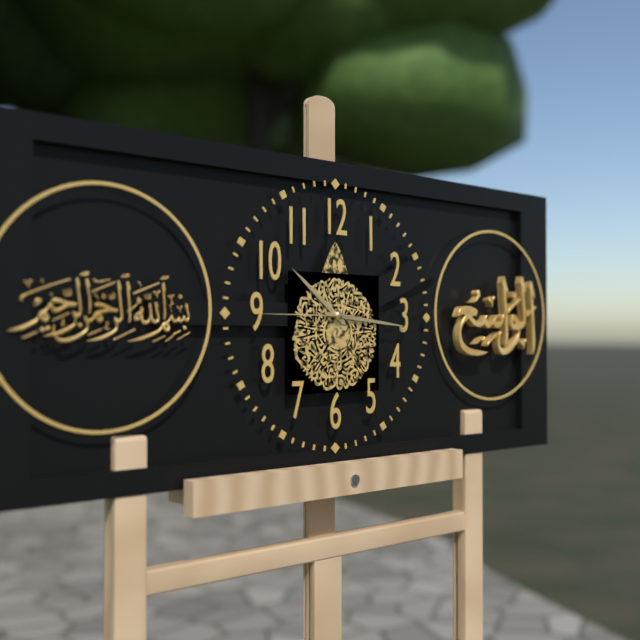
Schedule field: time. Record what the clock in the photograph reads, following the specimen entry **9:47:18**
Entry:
**10:16:45**
